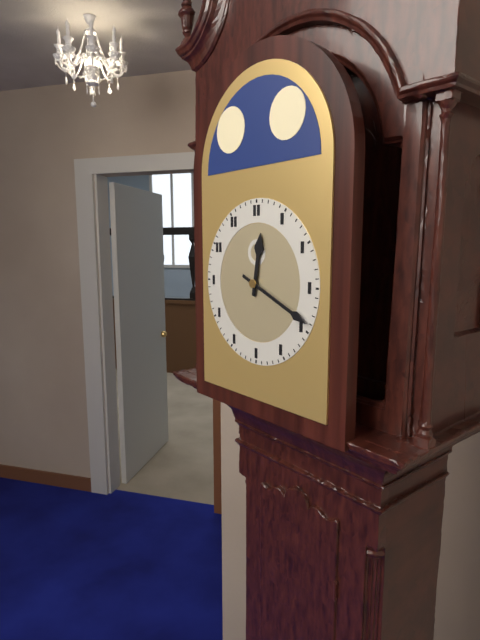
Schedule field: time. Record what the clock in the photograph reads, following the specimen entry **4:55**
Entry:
**12:19**
